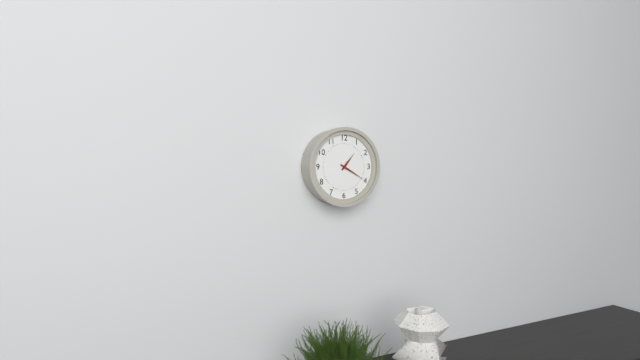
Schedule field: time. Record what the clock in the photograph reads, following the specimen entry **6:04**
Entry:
**1:20**
